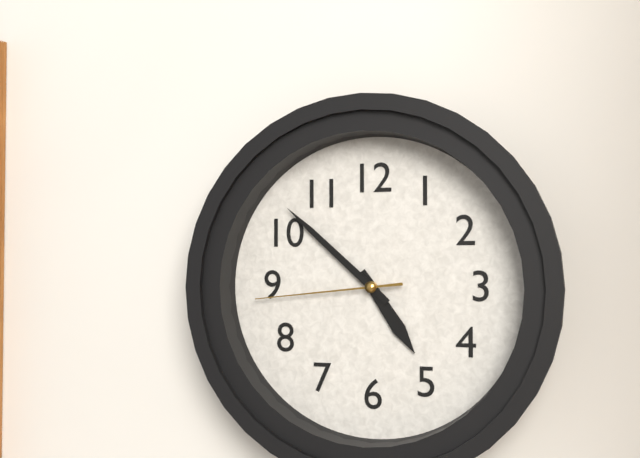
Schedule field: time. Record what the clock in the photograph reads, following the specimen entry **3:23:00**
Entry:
**4:52:44**
